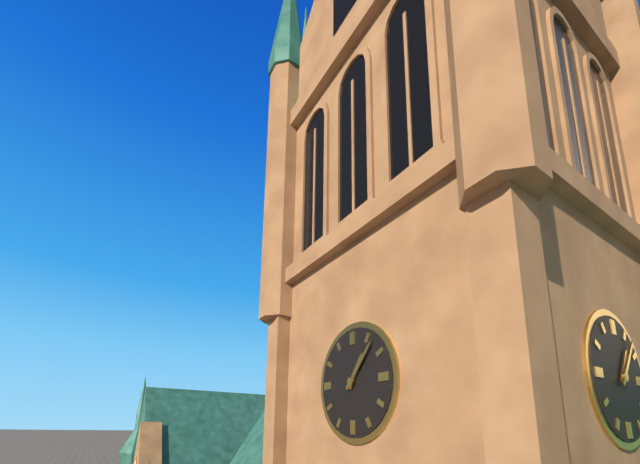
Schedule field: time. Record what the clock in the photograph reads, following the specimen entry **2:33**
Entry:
**1:07**
